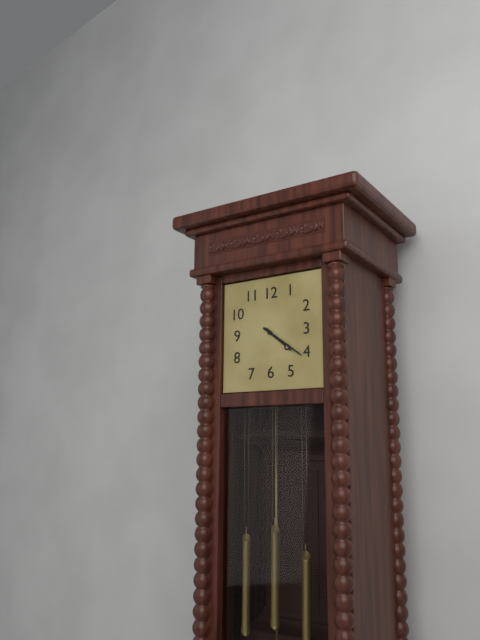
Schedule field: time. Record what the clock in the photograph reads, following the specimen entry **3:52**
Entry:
**4:21**
